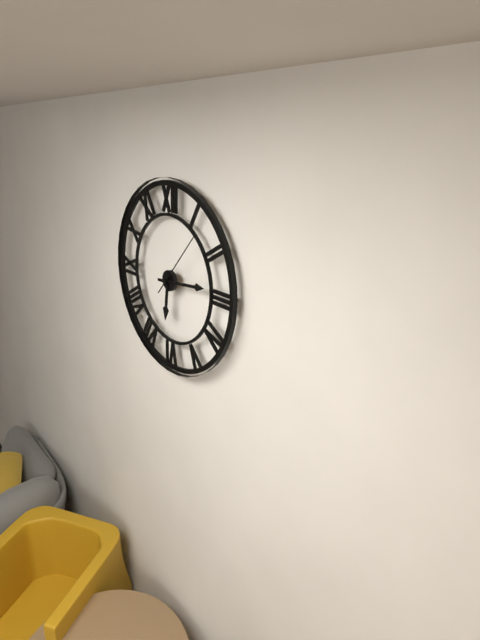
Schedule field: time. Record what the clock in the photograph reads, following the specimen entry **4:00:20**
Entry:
**6:14:07**
